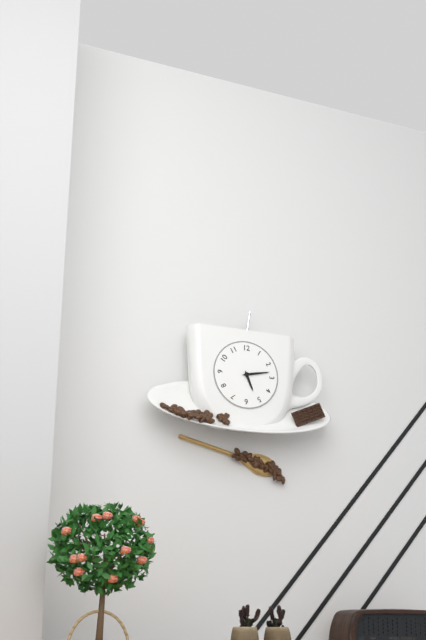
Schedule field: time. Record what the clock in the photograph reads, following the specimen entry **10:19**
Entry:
**5:13**
